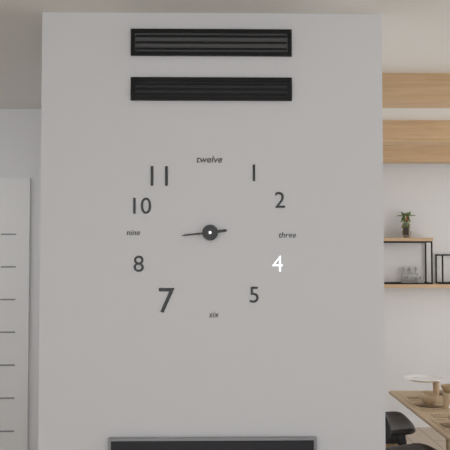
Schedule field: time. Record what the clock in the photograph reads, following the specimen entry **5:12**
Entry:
**2:44**
